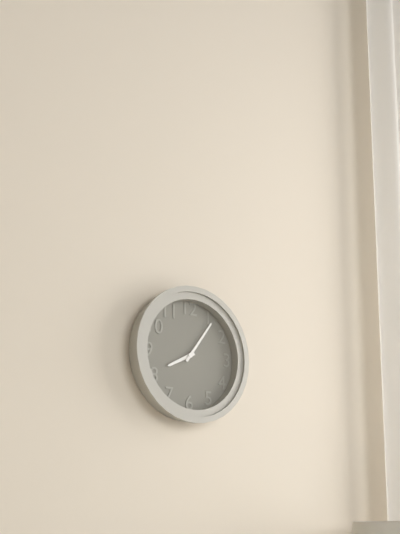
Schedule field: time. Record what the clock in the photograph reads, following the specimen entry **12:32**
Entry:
**8:06**
